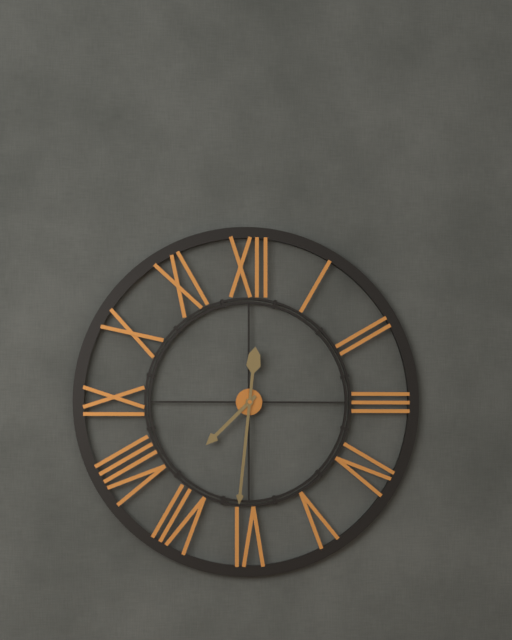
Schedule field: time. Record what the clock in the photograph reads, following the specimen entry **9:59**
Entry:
**7:31**
